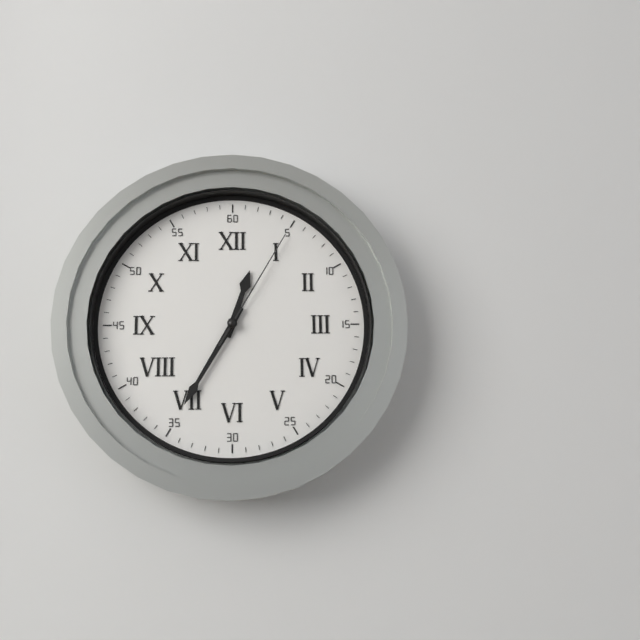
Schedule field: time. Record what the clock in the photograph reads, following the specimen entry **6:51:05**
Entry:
**12:35:05**
